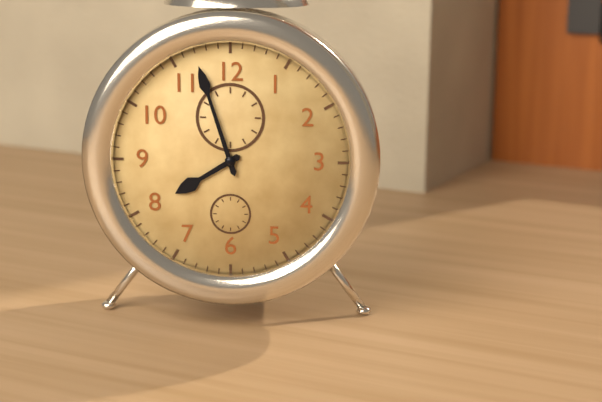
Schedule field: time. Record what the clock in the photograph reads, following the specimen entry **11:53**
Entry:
**7:57**
